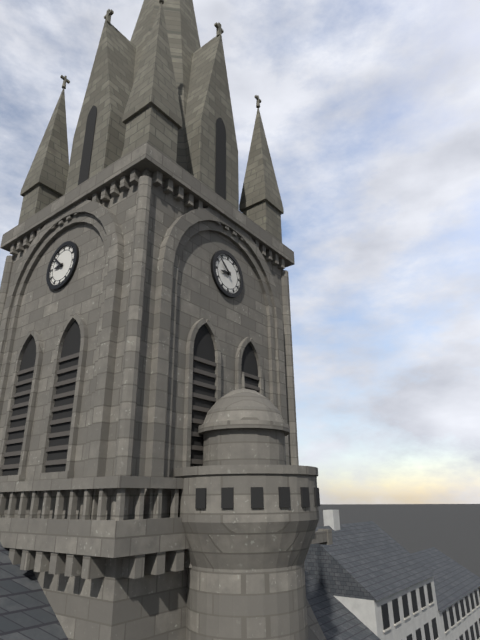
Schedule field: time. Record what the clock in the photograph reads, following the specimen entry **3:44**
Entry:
**8:52**
